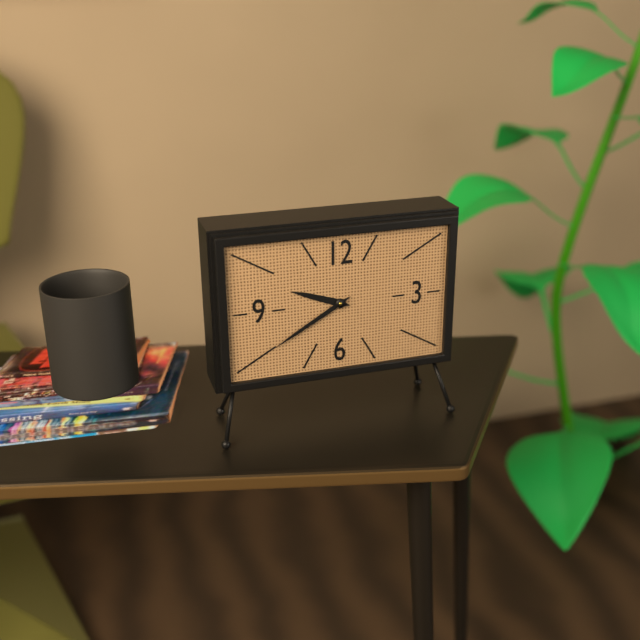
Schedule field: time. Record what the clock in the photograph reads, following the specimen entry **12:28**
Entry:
**9:40**
